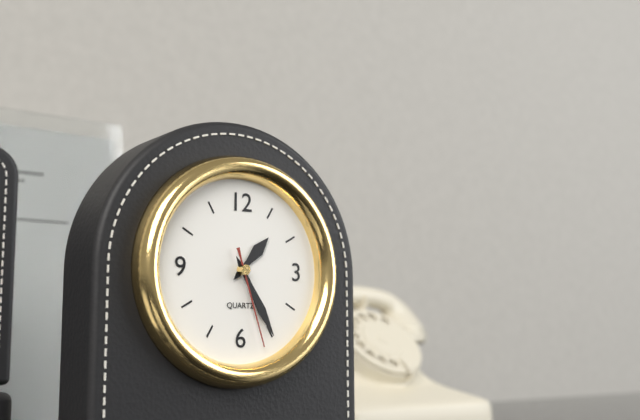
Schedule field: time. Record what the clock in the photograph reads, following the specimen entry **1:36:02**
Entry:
**1:25:27**
